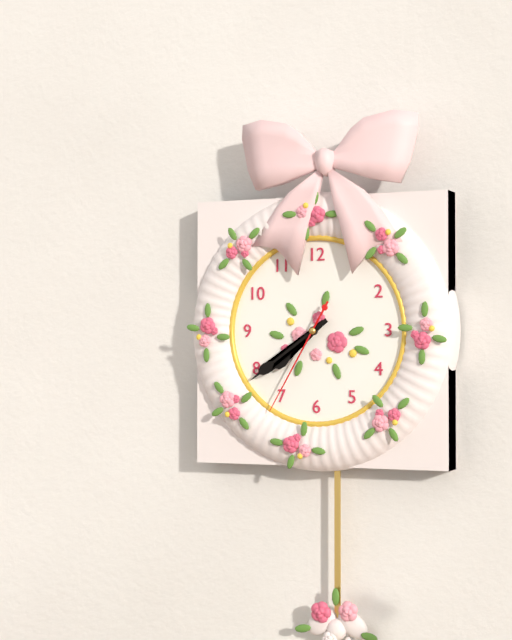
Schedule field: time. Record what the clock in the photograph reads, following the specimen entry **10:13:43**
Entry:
**7:39:35**
